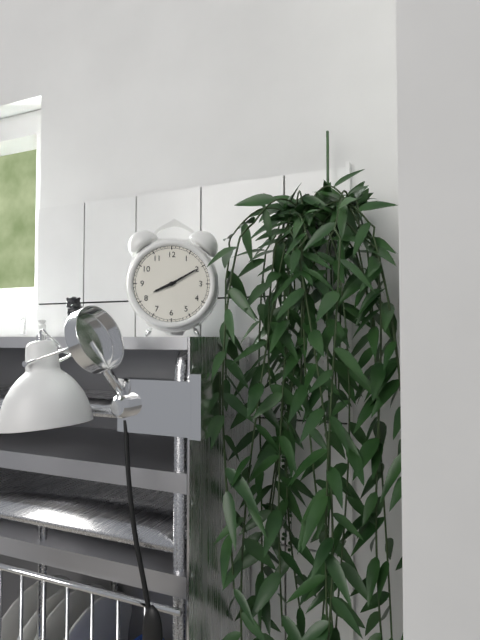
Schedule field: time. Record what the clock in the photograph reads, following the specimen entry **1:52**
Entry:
**8:10**
